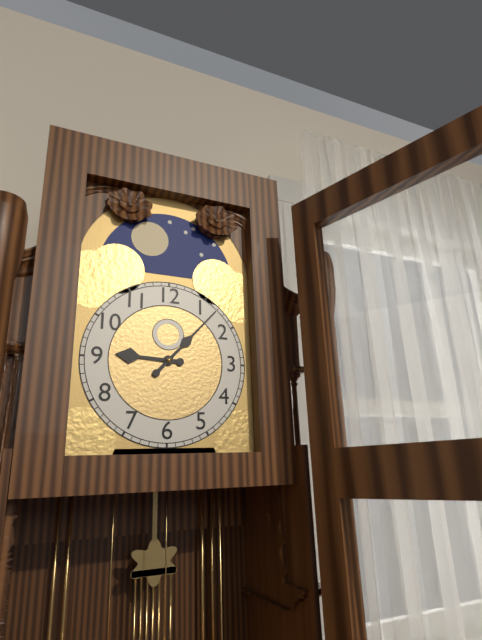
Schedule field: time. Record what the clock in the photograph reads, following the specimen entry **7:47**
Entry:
**9:07**
